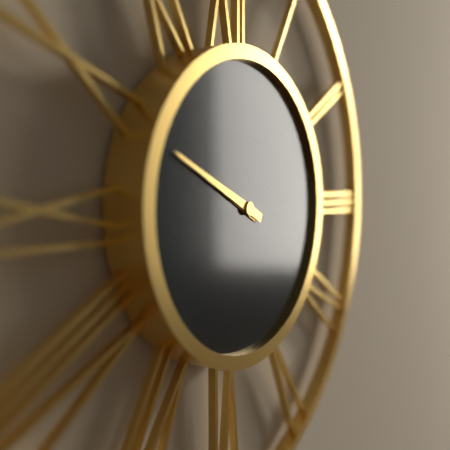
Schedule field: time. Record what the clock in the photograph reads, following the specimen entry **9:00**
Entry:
**9:49**
